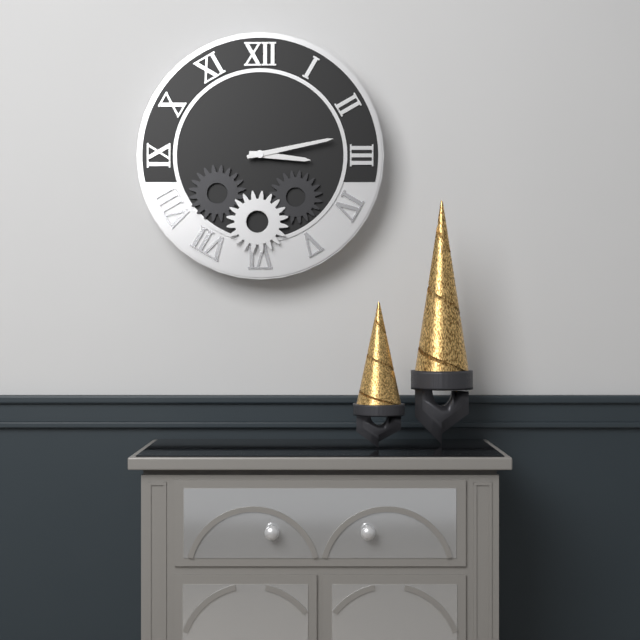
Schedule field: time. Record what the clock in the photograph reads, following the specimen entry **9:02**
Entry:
**3:13**
